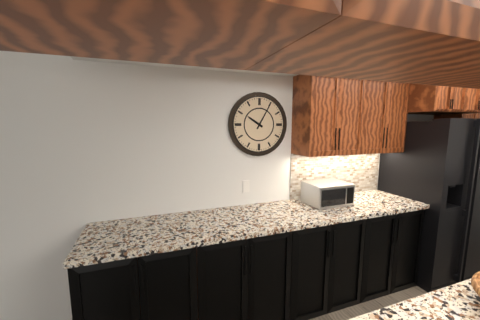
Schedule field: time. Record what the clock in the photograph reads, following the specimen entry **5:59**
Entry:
**10:05**
